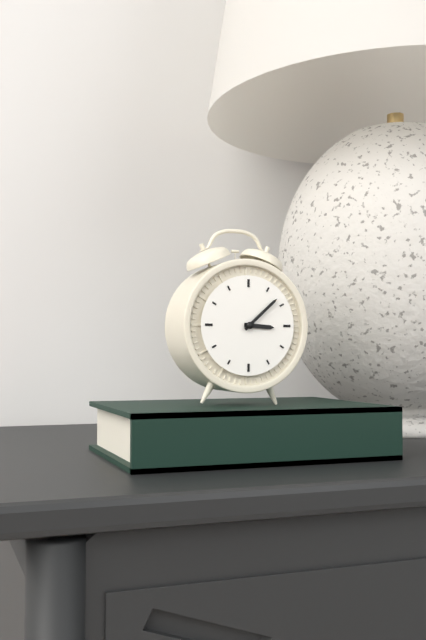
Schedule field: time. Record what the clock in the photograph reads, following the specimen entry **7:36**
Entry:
**3:08**
